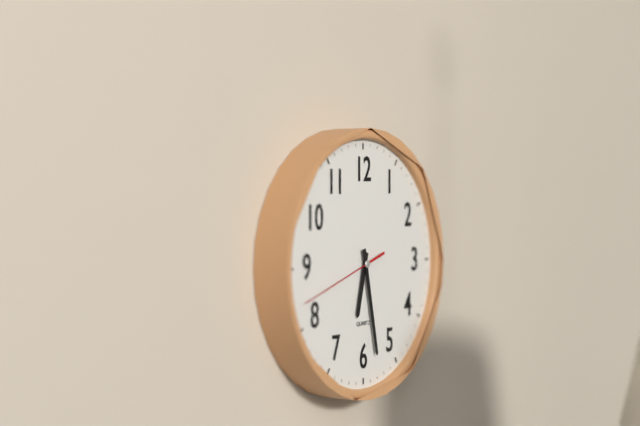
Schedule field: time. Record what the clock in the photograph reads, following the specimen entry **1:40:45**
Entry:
**6:28:42**
